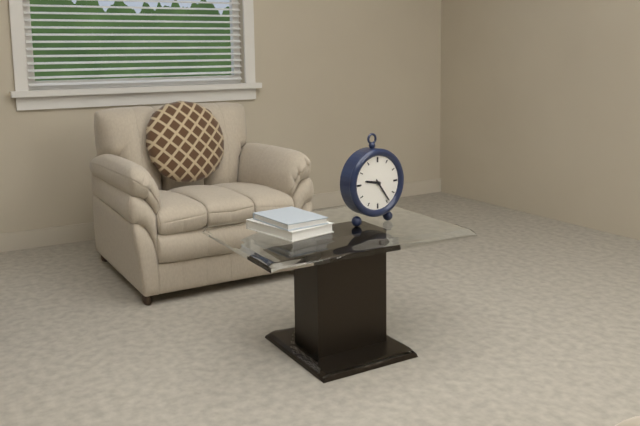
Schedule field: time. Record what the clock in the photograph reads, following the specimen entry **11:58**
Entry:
**9:24**
